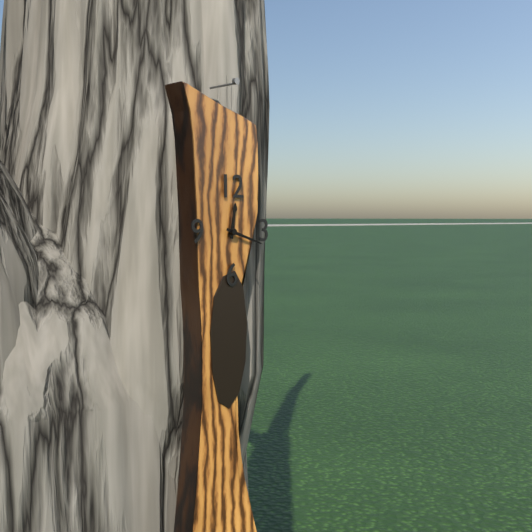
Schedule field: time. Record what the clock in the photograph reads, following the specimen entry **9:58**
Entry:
**12:18**
